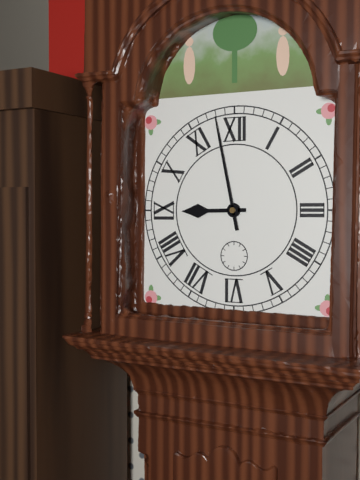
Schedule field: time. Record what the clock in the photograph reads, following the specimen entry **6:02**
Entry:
**8:58**
